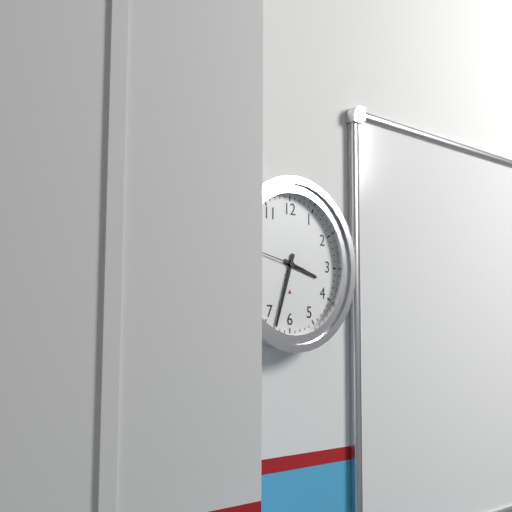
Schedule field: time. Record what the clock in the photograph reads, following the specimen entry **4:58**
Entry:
**3:33**
